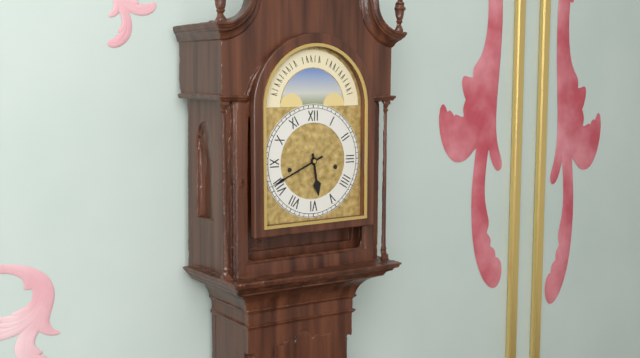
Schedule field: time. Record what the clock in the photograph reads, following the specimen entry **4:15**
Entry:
**5:41**
